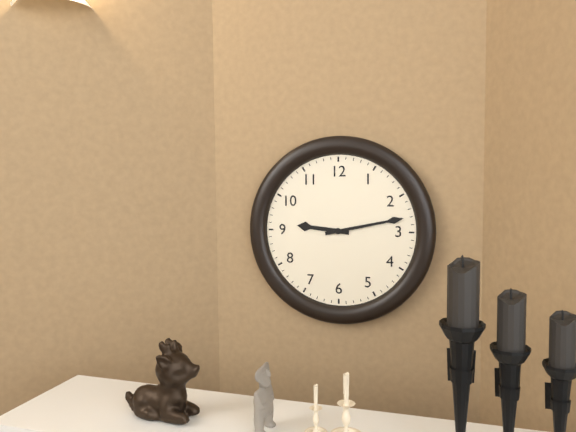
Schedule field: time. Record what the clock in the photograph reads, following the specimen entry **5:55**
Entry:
**9:13**
